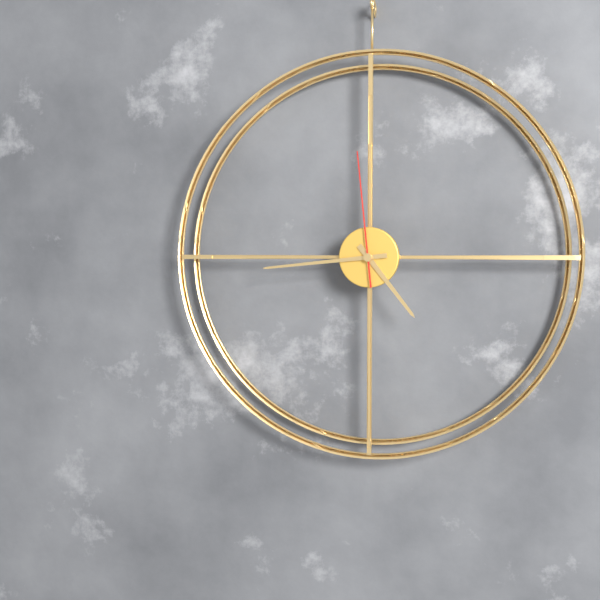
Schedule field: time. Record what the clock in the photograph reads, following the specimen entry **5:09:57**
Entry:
**4:44:59**
